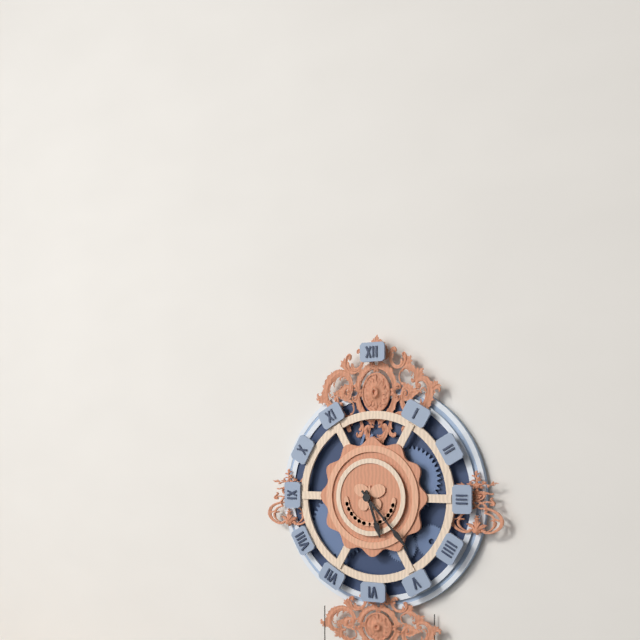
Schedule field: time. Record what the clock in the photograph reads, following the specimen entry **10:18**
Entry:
**5:23**
